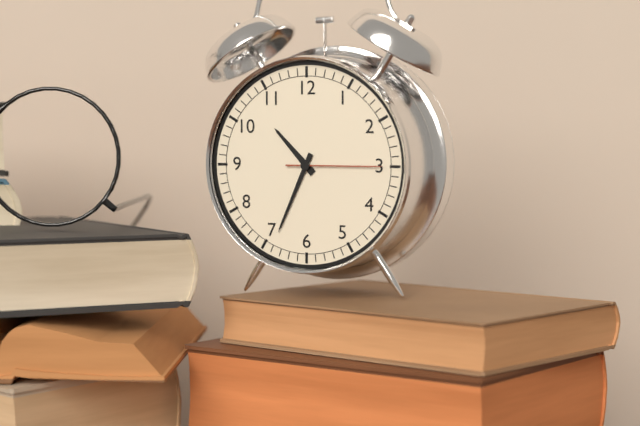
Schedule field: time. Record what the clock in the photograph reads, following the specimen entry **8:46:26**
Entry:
**10:34:15**
